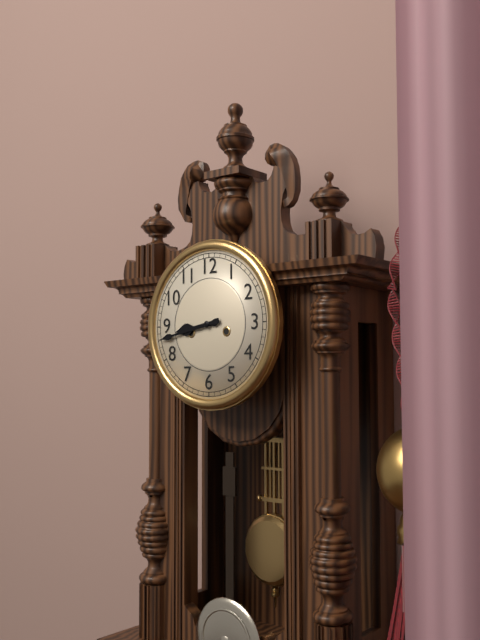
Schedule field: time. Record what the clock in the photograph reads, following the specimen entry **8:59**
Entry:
**8:43**
